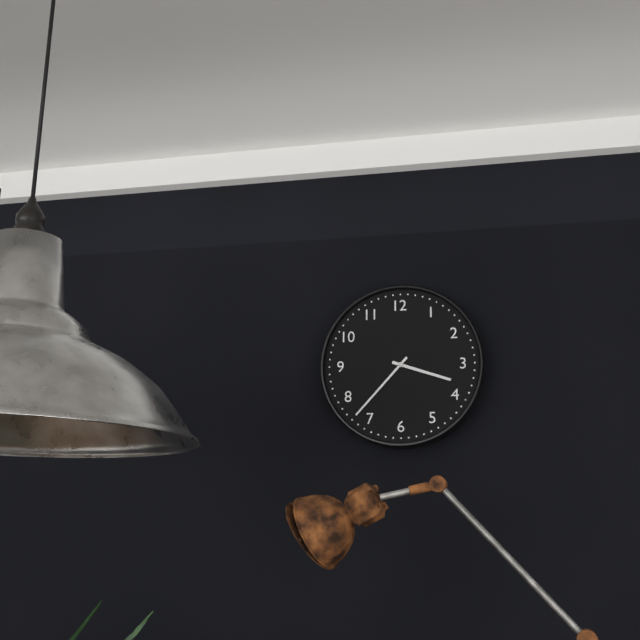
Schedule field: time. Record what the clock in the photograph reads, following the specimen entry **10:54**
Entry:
**3:37**
